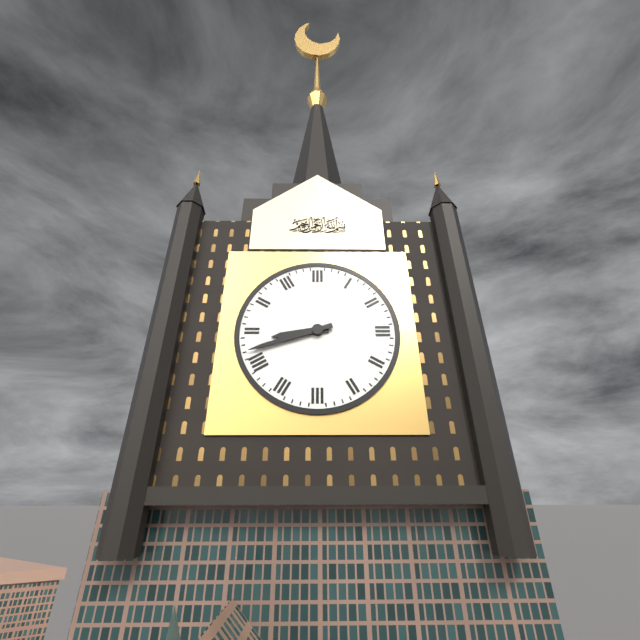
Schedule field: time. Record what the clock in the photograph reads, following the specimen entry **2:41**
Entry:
**8:42**
